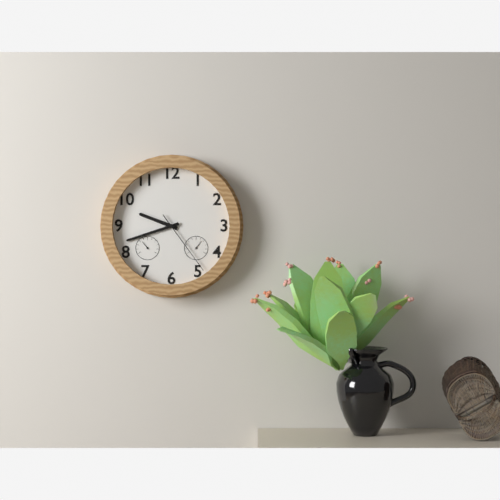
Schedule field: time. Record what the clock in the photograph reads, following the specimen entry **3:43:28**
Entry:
**9:42:24**
